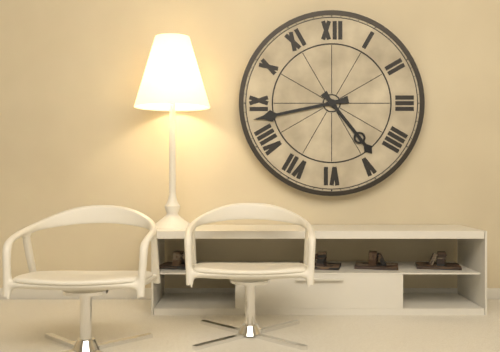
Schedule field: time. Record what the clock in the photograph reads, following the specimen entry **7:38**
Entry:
**4:43**
